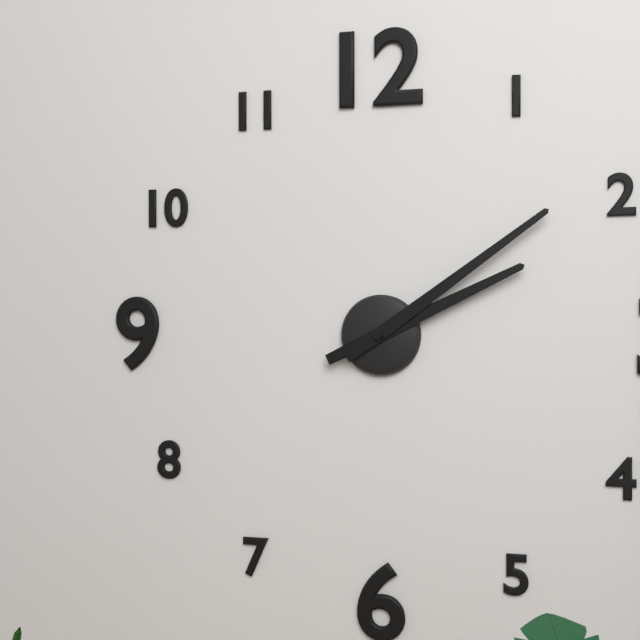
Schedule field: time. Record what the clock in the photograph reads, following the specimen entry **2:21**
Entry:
**2:09**
